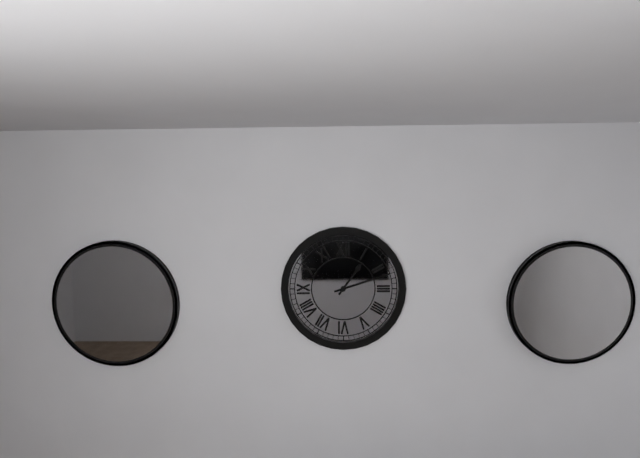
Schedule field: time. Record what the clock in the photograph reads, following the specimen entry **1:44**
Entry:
**1:12**
